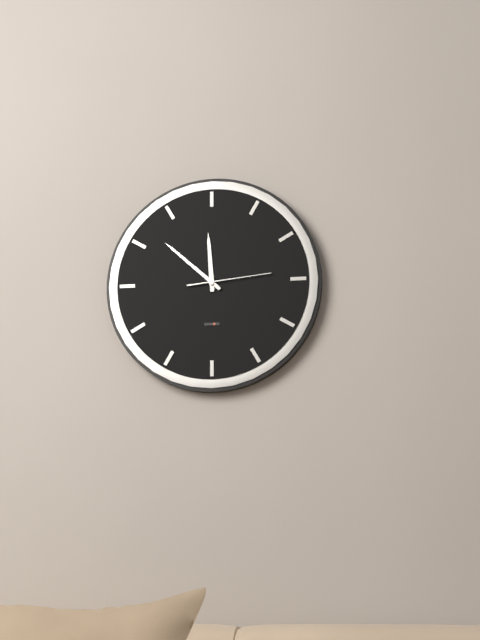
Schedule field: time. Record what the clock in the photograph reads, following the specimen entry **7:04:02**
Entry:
**11:52:14**
